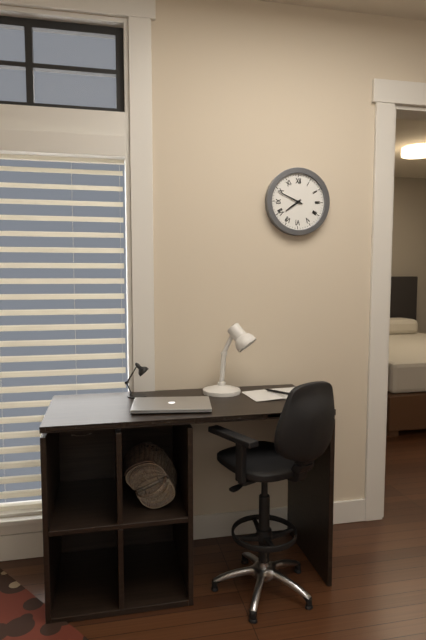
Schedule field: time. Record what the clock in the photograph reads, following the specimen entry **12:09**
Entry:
**7:49**
